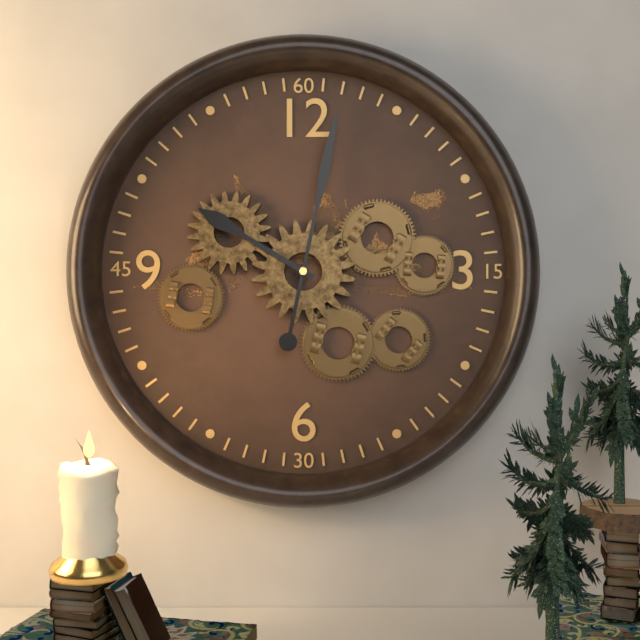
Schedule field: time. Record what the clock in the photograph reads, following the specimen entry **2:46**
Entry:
**10:02**
